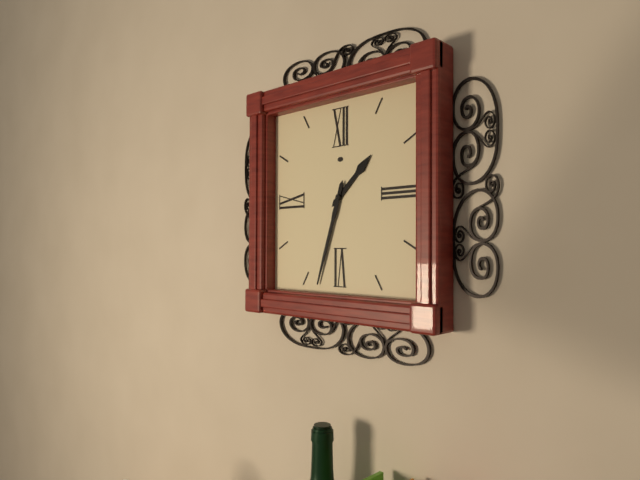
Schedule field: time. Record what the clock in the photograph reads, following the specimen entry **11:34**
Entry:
**1:33**
